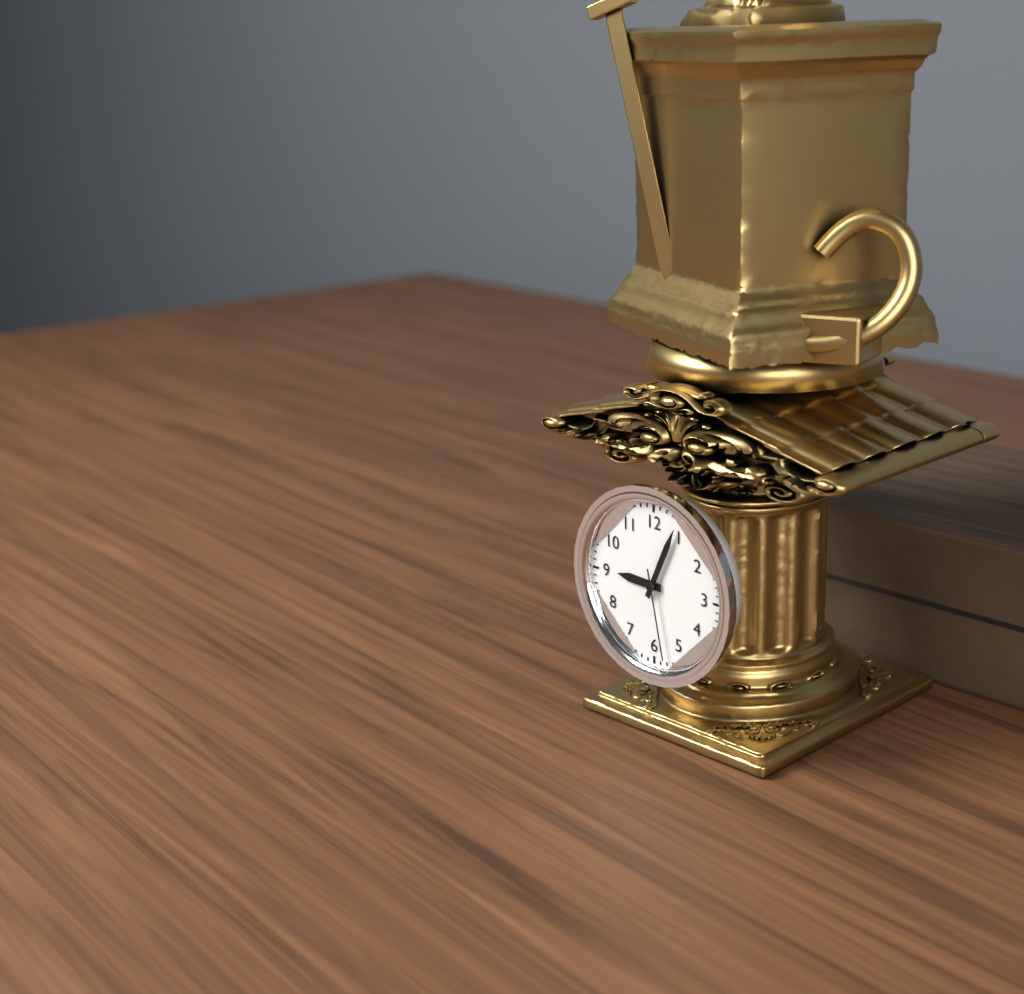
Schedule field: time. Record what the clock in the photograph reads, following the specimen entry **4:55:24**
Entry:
**9:04:28**
